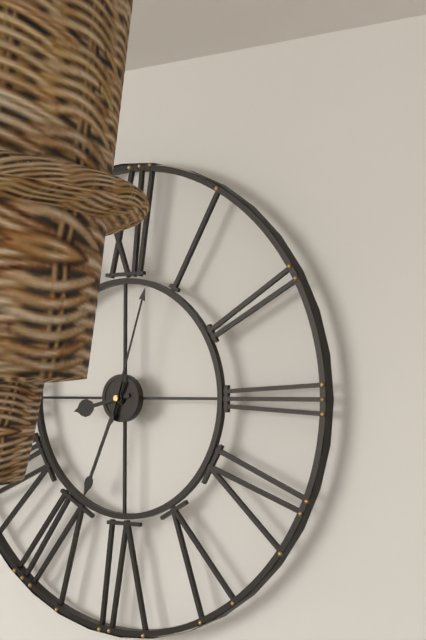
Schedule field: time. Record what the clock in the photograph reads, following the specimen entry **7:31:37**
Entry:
**8:34:03**
